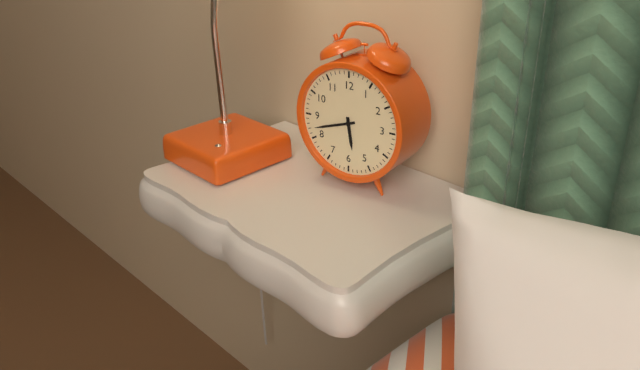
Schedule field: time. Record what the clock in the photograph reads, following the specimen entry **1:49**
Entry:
**5:42**
